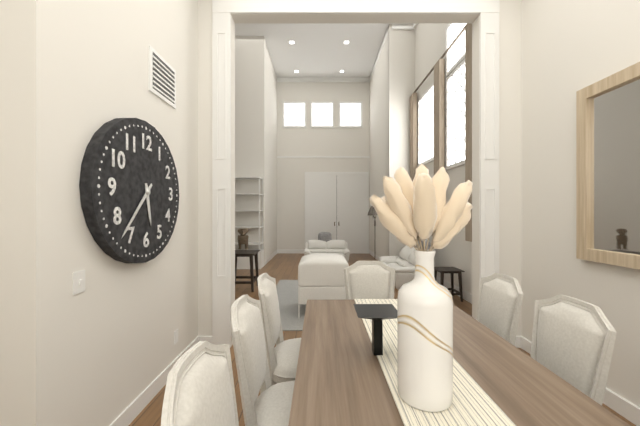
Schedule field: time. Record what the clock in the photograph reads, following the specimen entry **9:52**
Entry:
**5:37**
